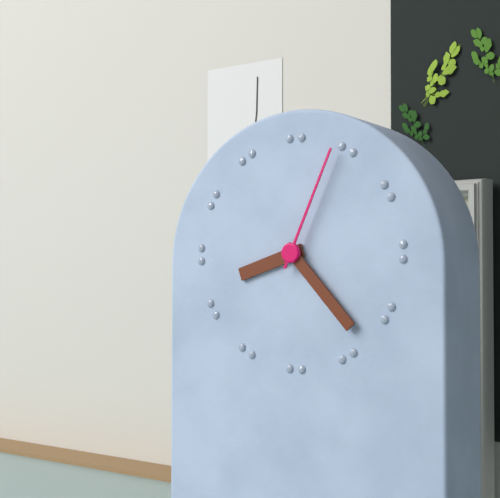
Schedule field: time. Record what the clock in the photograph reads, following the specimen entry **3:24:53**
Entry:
**8:23:04**
